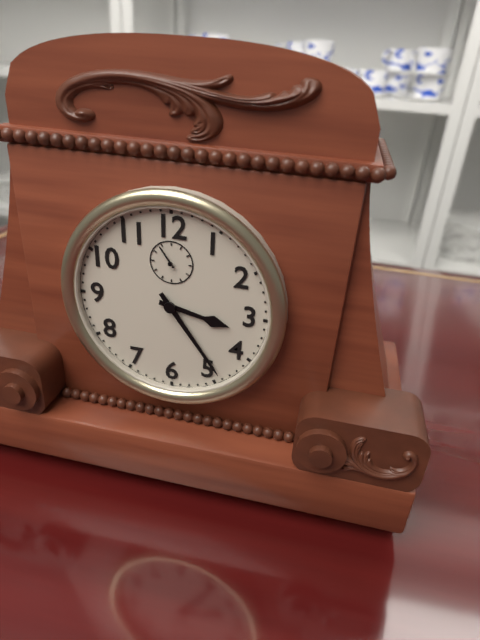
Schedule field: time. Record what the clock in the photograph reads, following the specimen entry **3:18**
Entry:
**3:24**
